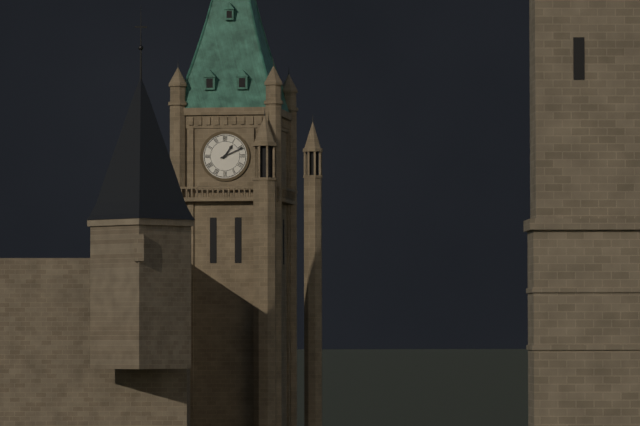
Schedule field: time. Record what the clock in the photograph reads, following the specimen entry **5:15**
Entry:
**1:11**
